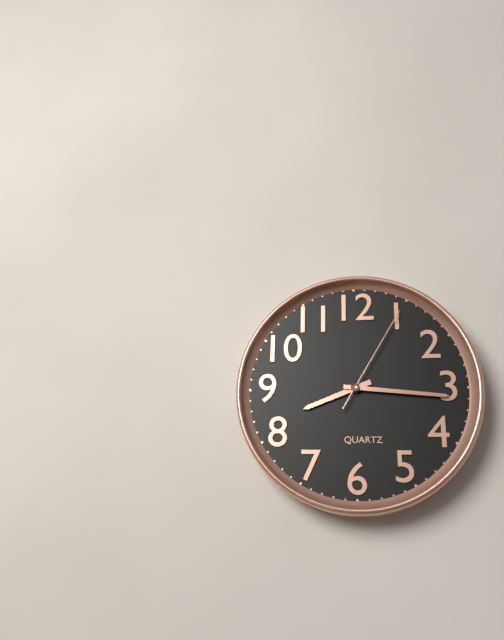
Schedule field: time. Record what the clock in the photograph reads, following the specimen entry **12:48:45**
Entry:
**8:16:05**
